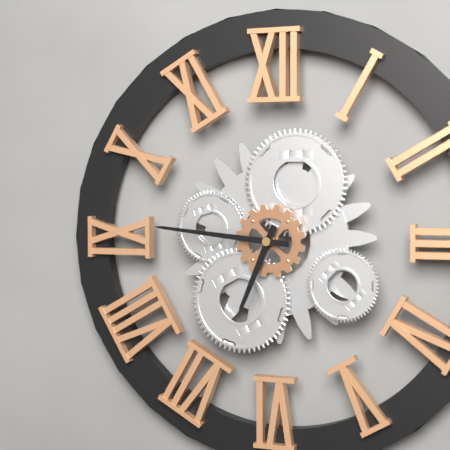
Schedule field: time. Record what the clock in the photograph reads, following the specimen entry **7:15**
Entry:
**6:46**
